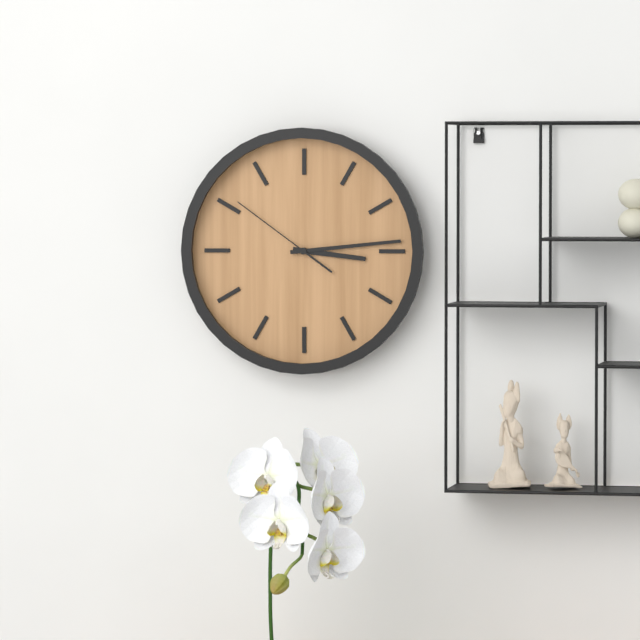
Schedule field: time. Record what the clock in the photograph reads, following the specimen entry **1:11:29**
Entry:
**3:14:51**
